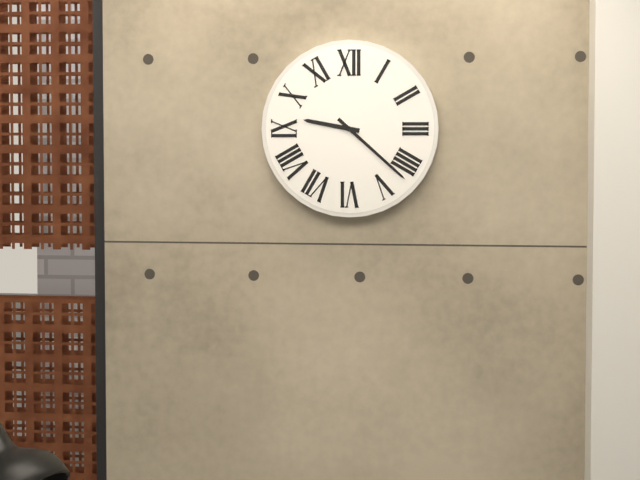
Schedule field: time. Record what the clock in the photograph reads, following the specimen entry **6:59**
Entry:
**9:22**
